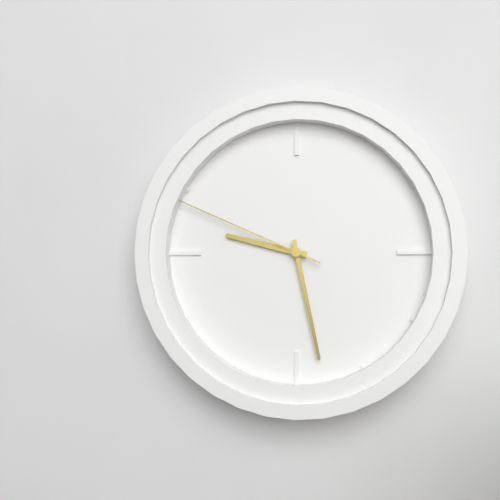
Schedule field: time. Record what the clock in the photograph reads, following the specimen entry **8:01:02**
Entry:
**9:28:49**
